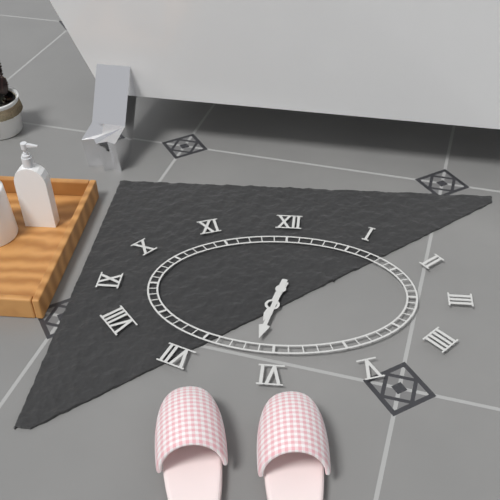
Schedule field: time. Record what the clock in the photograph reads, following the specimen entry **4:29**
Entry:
**6:32**
